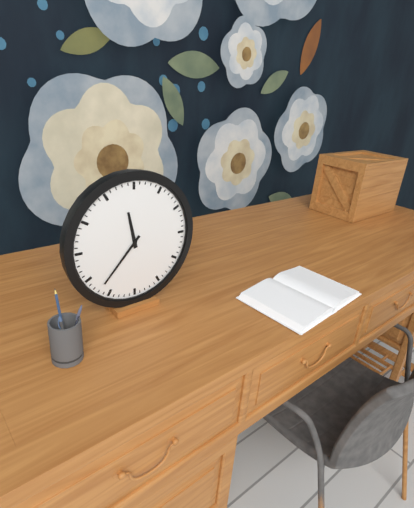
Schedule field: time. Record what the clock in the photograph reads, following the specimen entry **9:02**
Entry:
**11:37**
